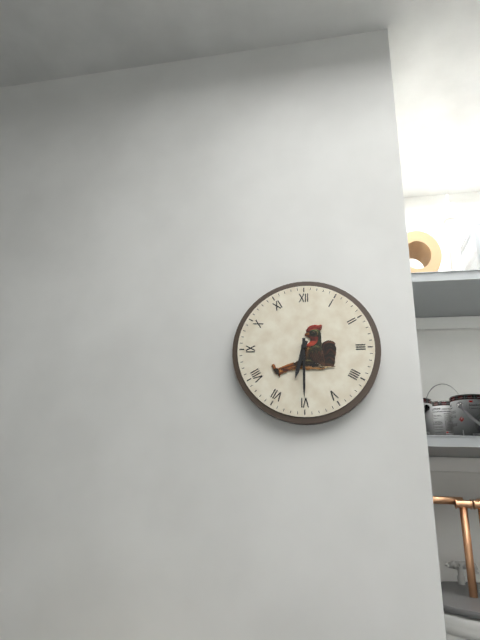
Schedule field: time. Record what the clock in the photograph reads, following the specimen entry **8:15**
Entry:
**6:30**
